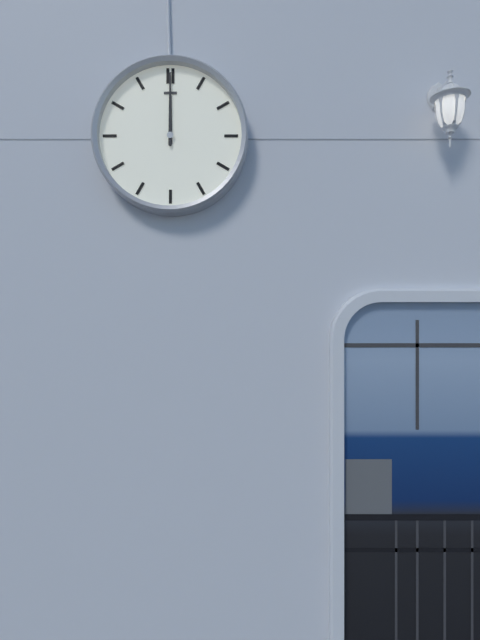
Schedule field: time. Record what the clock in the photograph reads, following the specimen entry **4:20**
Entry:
**12:00**
